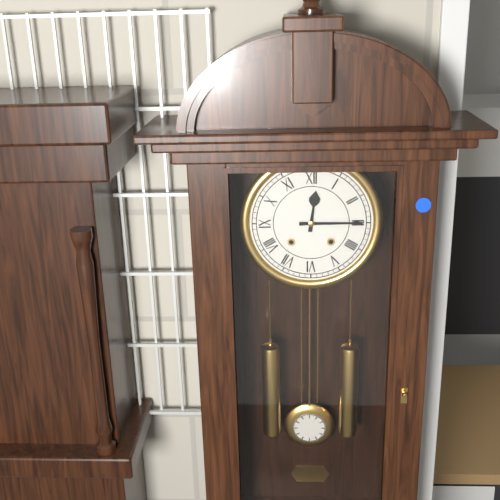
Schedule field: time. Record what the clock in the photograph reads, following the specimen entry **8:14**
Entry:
**12:15**
